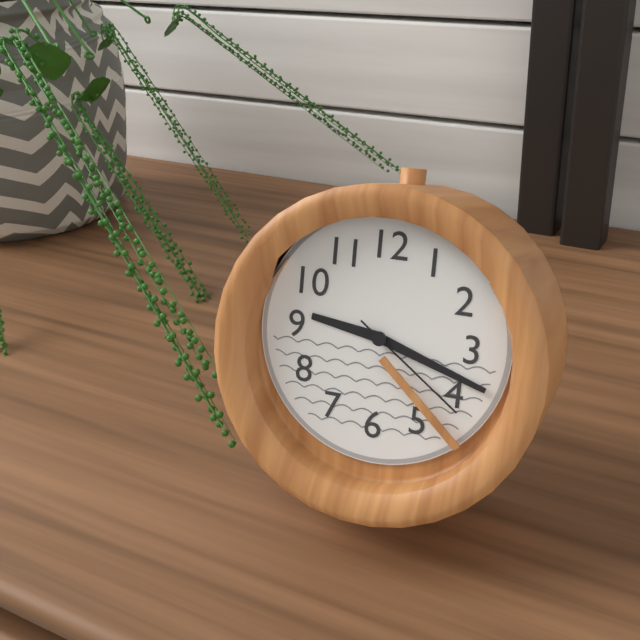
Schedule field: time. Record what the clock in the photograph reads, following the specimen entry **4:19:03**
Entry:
**9:18:21**
